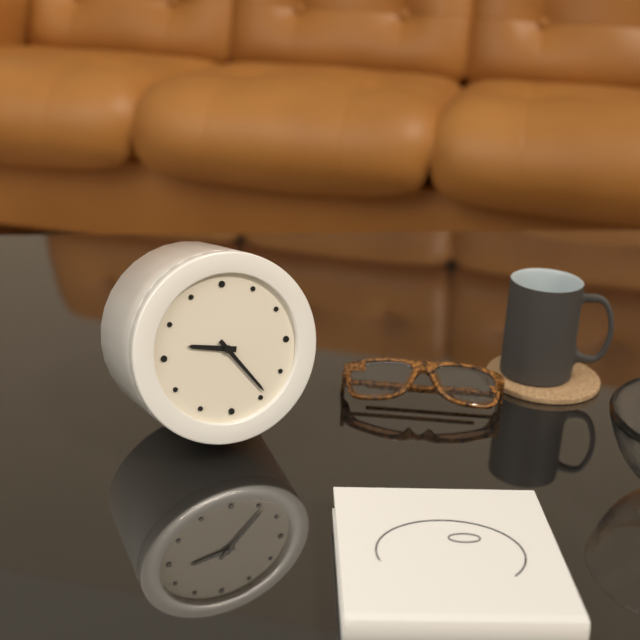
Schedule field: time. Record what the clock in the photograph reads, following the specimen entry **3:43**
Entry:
**9:24**
